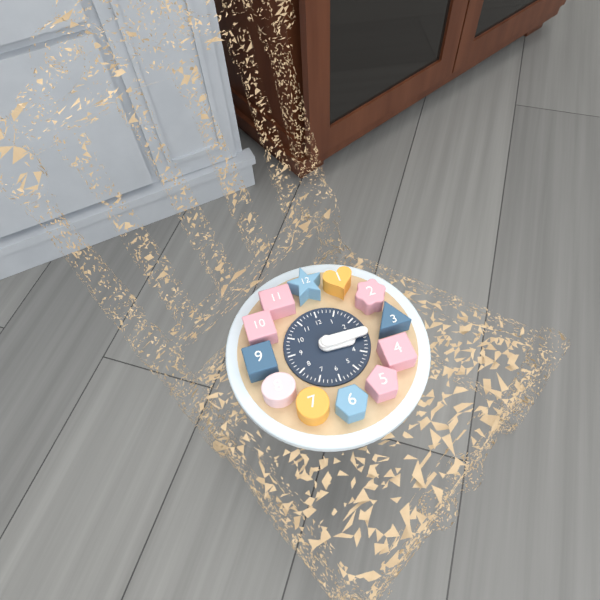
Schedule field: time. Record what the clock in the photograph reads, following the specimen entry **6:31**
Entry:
**3:15**
